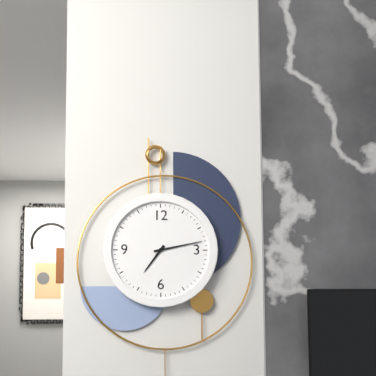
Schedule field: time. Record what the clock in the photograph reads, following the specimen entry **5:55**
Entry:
**7:13**
